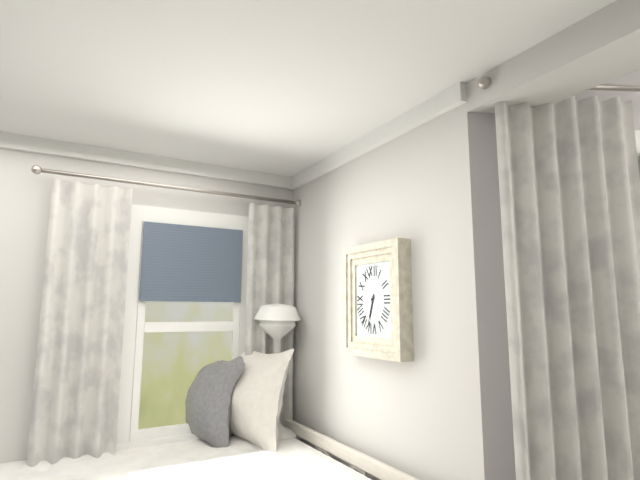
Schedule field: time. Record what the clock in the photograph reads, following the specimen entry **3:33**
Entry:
**6:33**
